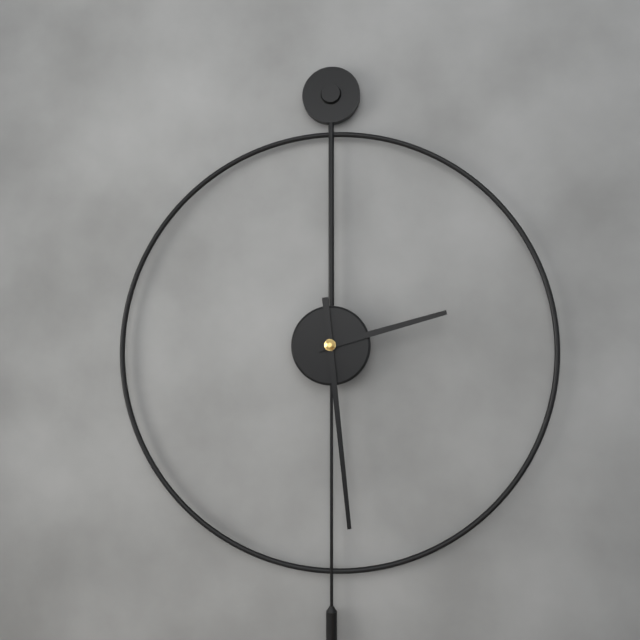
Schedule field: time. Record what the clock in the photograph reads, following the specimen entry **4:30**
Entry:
**2:29**
